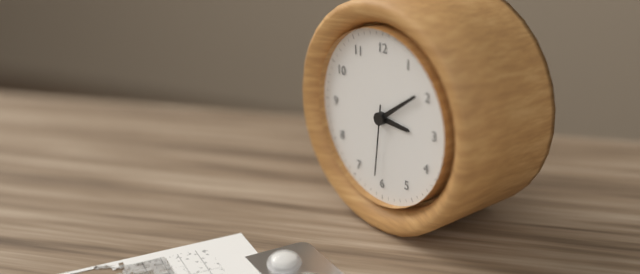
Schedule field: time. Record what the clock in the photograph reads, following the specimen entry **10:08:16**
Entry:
**3:09:31**
